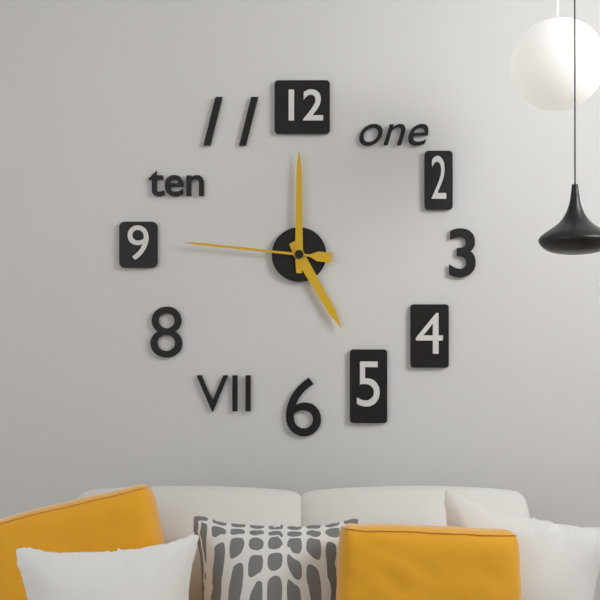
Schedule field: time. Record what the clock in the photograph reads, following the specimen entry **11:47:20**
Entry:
**5:00:46**
